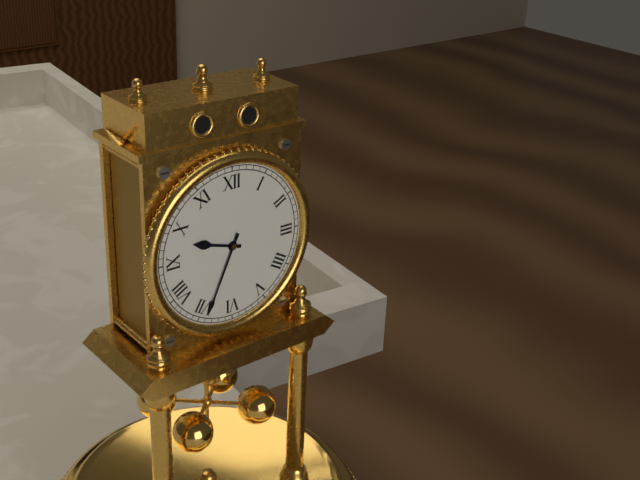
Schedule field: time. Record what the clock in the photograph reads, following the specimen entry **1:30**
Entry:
**9:34**
